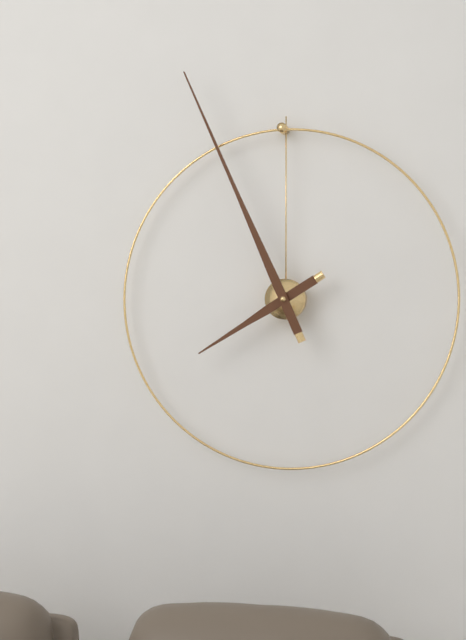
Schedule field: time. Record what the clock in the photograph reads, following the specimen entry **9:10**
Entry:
**7:56**
